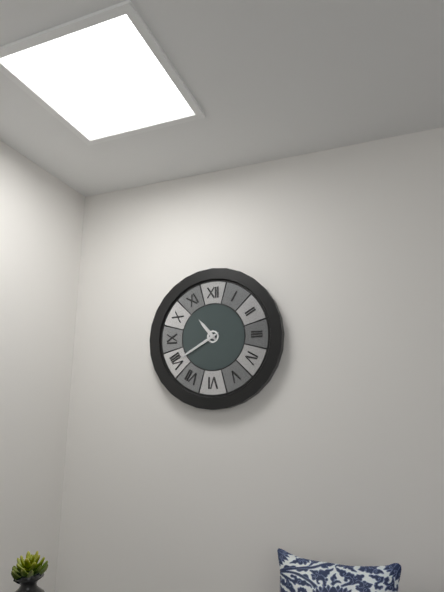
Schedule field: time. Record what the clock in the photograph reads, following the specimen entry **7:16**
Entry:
**10:40**
